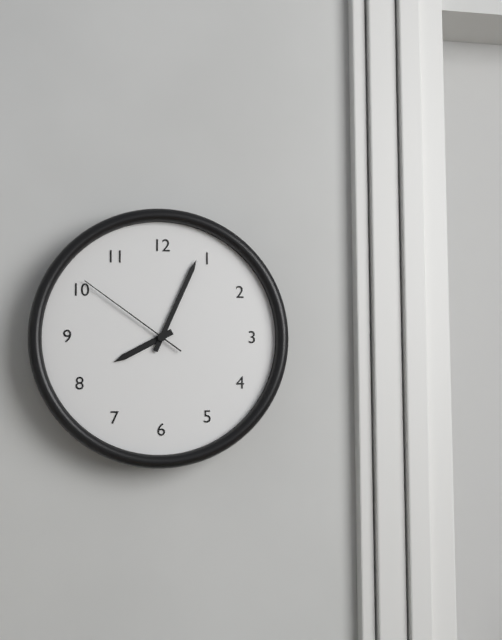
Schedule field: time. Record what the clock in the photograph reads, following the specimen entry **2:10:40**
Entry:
**8:04:51**
